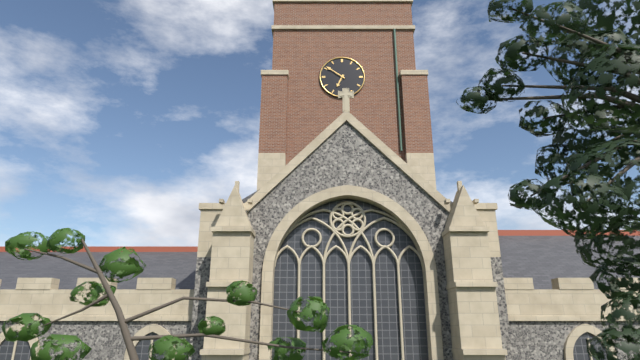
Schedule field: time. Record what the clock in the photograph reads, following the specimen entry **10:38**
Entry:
**6:51**
